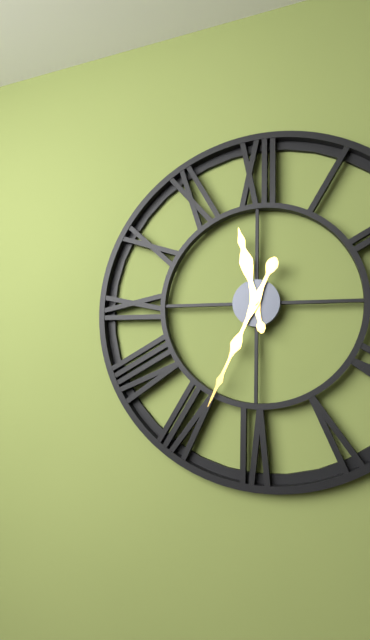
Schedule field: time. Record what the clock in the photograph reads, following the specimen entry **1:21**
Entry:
**11:34**
